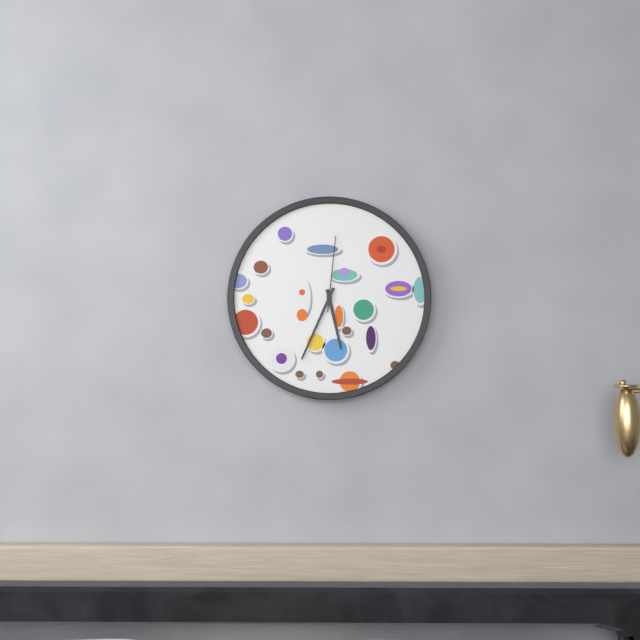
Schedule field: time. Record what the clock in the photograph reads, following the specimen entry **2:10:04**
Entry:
**5:34:01**
